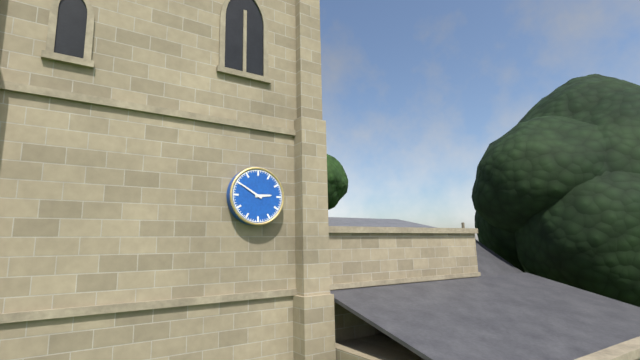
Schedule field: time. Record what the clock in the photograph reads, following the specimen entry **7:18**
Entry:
**2:50**
